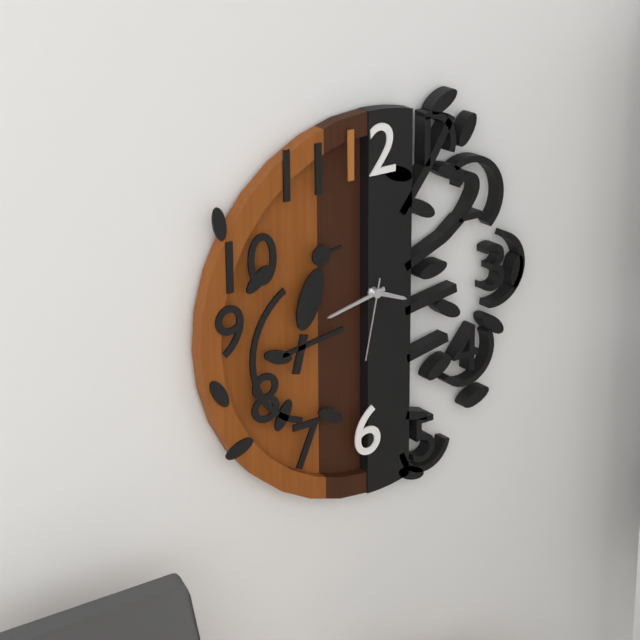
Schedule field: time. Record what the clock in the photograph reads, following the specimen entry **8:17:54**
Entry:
**3:43:32**
